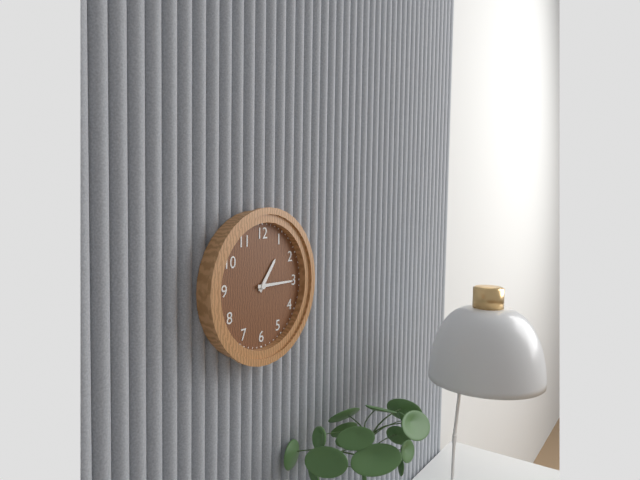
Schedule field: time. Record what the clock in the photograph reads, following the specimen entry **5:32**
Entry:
**1:15**
